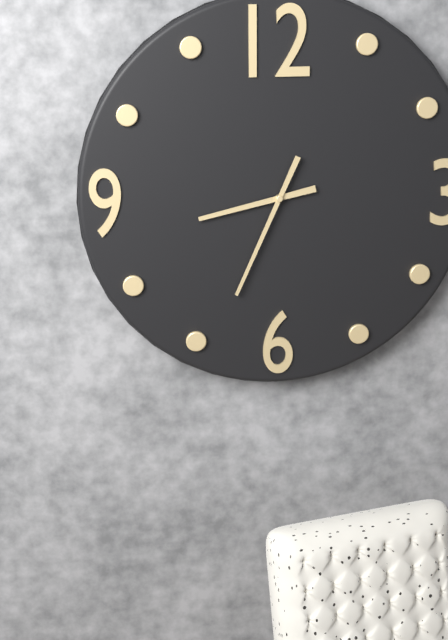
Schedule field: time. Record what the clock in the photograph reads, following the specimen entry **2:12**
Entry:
**8:34**
